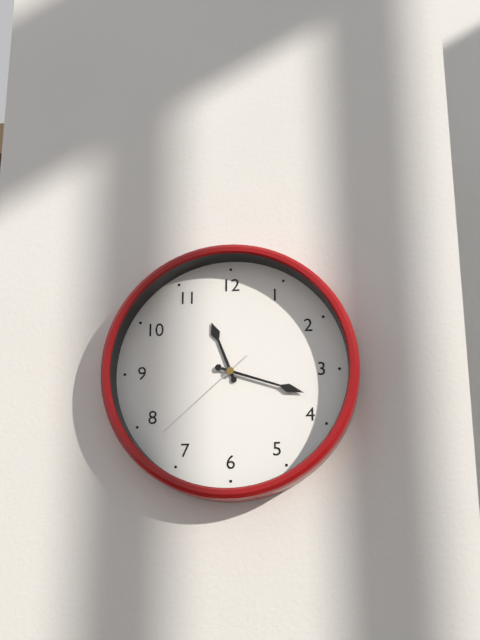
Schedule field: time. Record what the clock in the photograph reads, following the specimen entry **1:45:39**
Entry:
**11:18:38**
